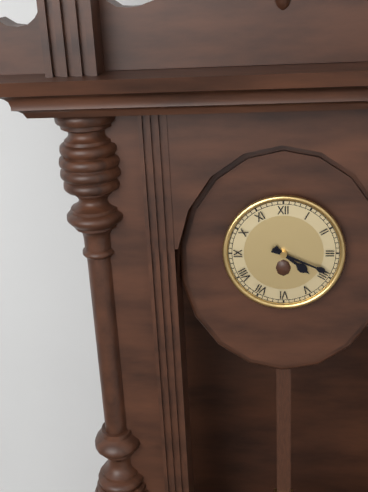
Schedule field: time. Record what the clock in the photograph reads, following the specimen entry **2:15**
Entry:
**4:19**
